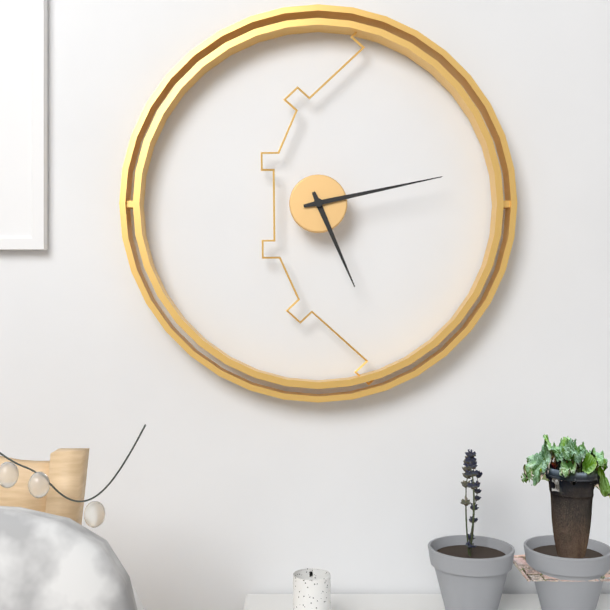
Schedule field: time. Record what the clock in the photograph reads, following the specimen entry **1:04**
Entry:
**5:13**
